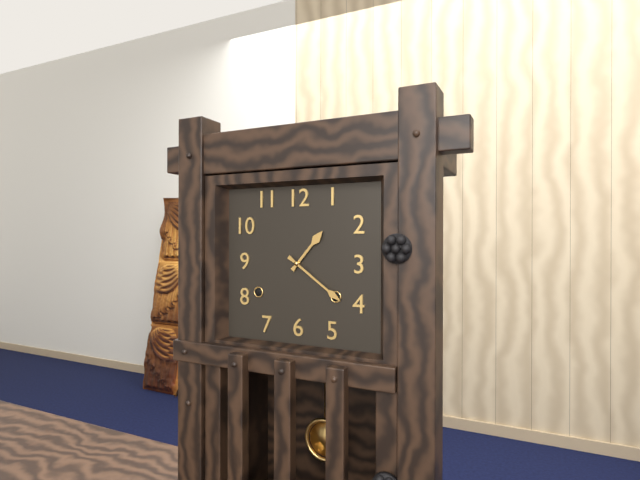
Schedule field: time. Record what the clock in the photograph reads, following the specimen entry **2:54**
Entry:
**1:21**
